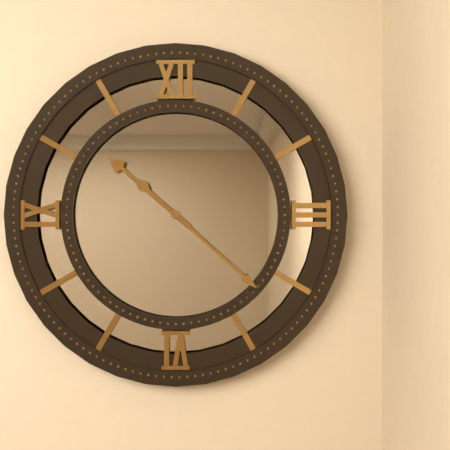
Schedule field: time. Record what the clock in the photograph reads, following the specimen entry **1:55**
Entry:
**10:22**
